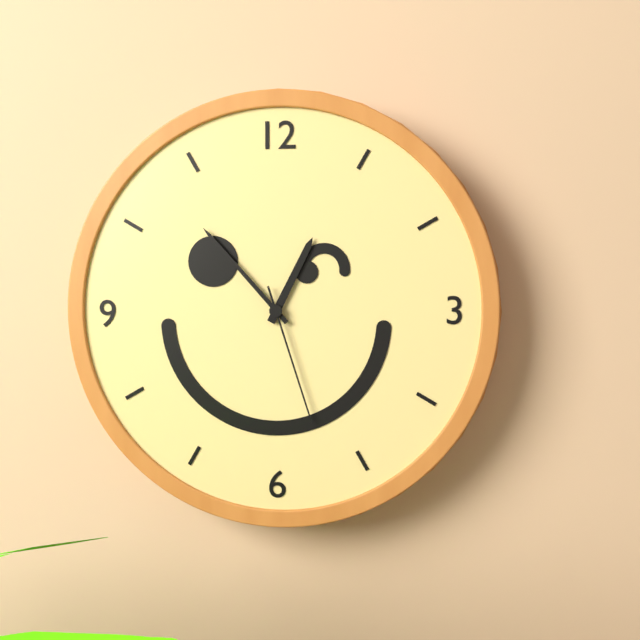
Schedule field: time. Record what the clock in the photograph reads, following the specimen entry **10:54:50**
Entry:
**12:53:27**
